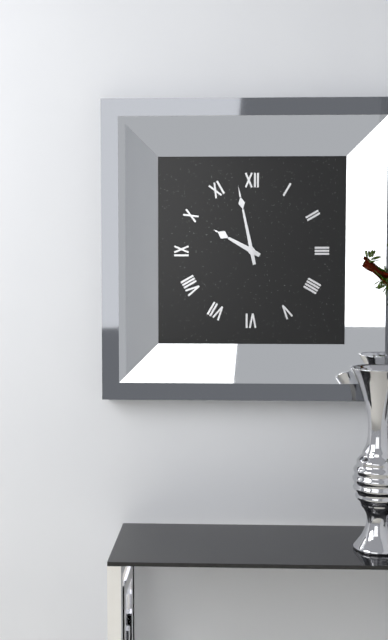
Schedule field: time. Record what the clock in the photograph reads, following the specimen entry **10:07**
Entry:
**9:58**
